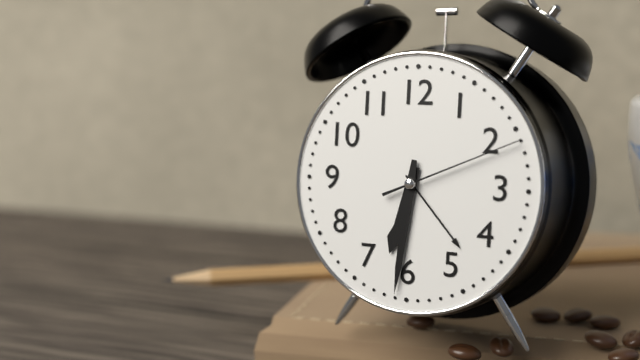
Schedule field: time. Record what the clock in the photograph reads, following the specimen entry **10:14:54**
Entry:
**6:31:11**
